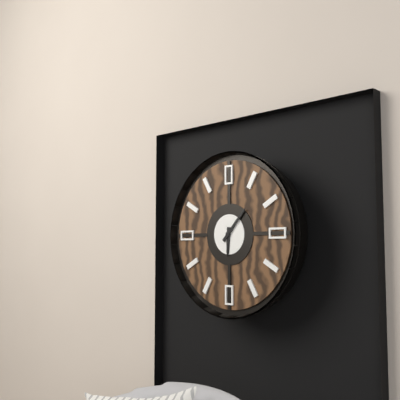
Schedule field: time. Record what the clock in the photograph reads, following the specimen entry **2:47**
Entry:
**6:07**
